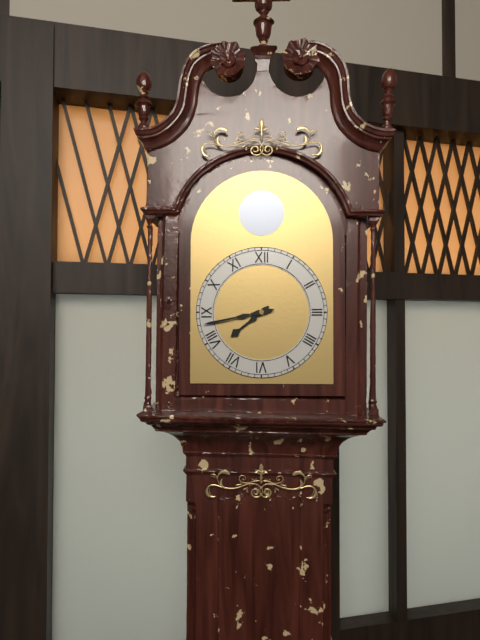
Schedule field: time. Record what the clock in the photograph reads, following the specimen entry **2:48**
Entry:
**7:43**
